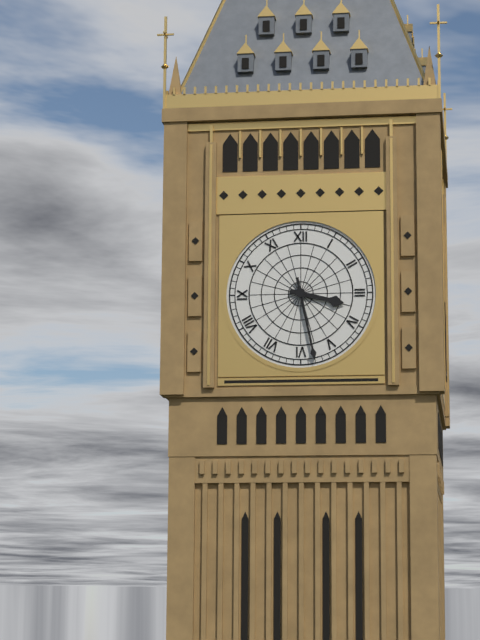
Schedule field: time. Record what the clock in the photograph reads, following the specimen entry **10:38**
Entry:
**3:28**
